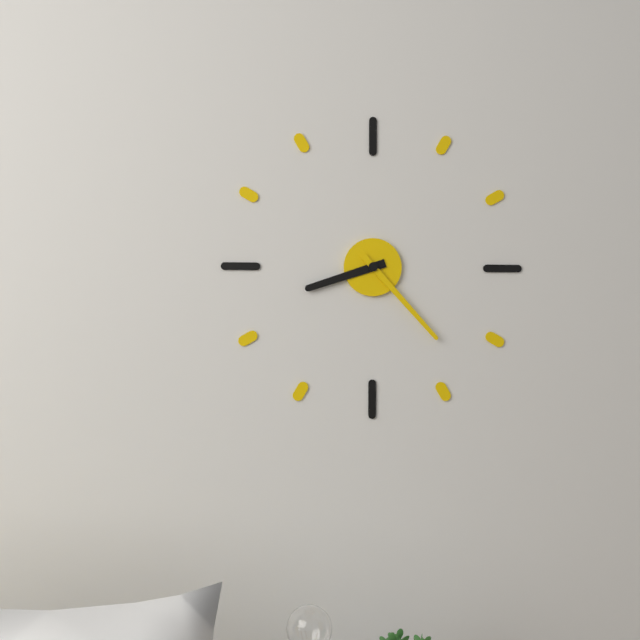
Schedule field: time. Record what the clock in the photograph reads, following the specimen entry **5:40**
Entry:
**8:23**
